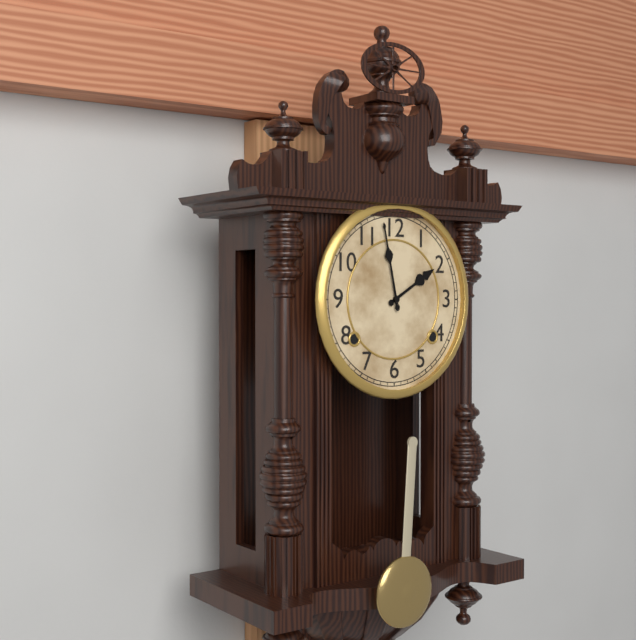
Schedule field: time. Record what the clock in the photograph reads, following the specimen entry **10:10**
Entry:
**1:58**
